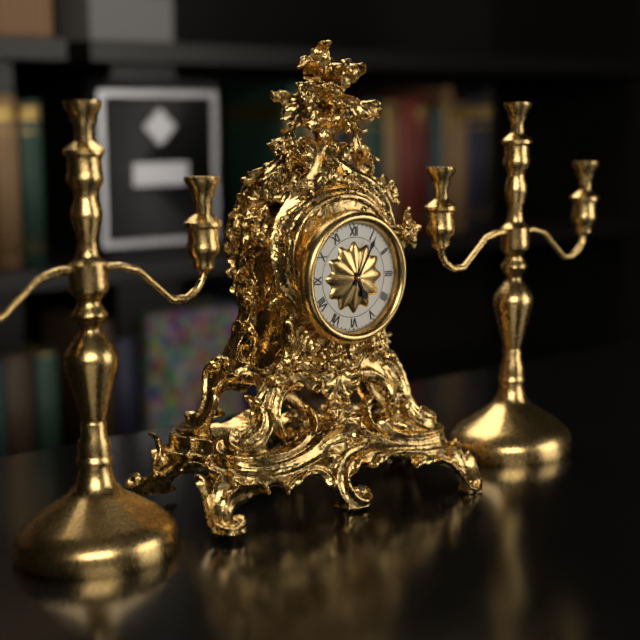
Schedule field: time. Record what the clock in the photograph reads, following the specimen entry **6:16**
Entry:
**5:05**
